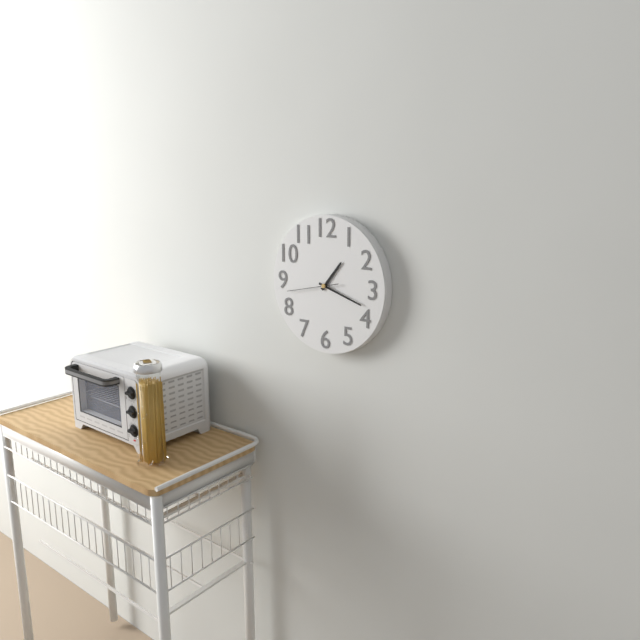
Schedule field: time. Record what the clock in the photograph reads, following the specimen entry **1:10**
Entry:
**1:18**
